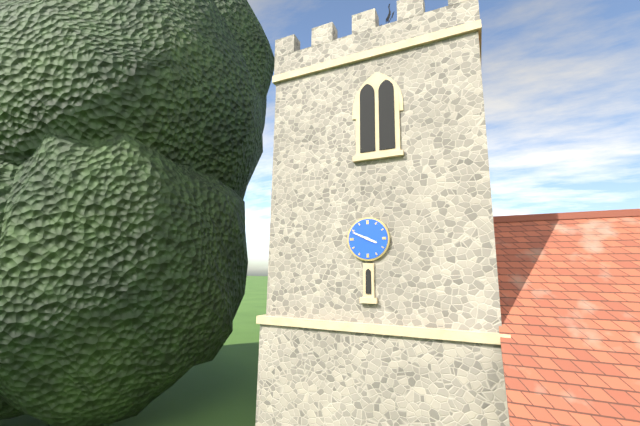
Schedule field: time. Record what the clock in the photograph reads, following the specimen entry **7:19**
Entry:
**3:49**
